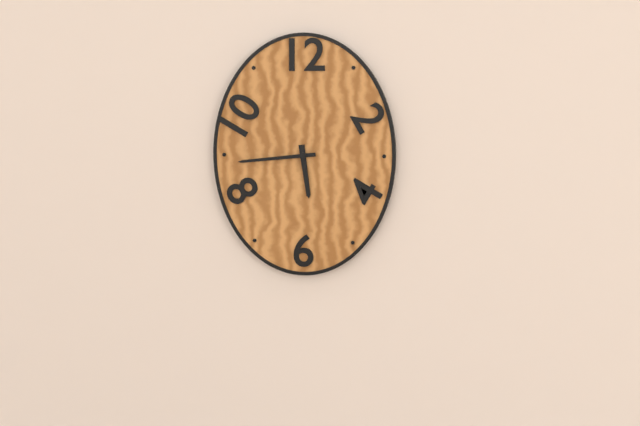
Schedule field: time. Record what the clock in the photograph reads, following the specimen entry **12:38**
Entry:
**5:44**
